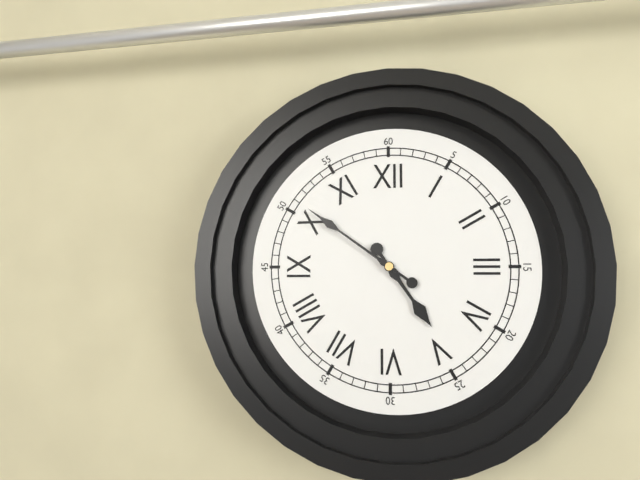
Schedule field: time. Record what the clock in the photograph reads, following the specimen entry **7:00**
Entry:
**4:51**
